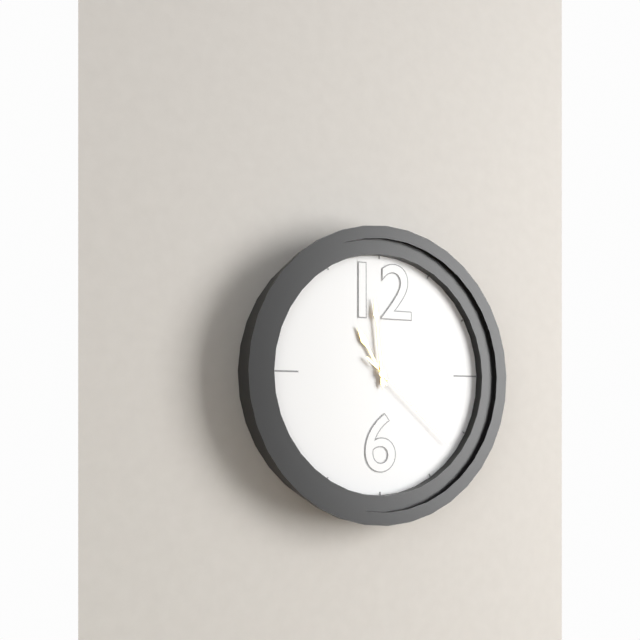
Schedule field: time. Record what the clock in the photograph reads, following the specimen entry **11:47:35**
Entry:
**10:59:22**
